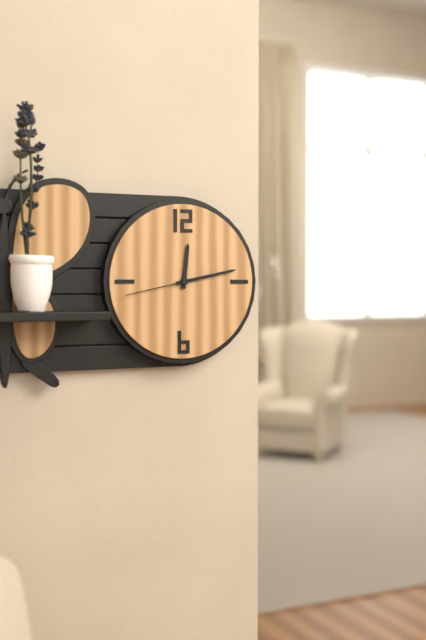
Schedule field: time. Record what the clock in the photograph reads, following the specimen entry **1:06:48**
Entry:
**12:13:43**
